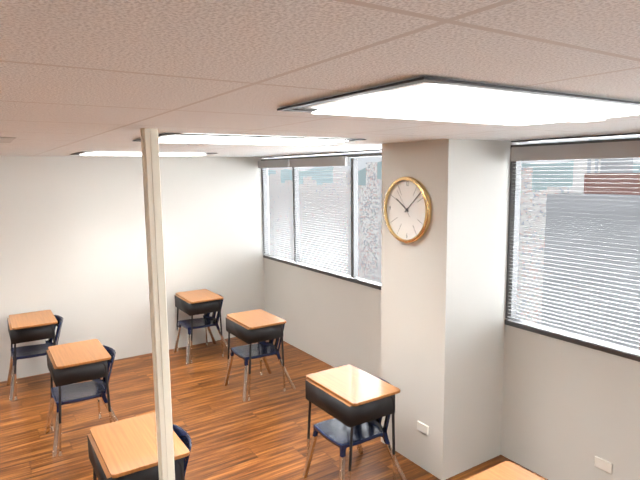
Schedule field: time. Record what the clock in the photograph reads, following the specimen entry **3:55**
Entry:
**10:08**
